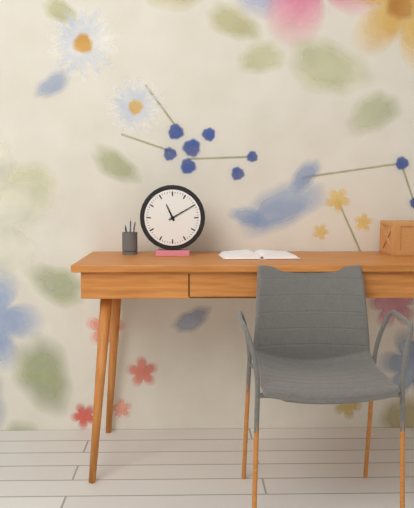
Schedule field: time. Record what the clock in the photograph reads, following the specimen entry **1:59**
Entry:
**11:10**
